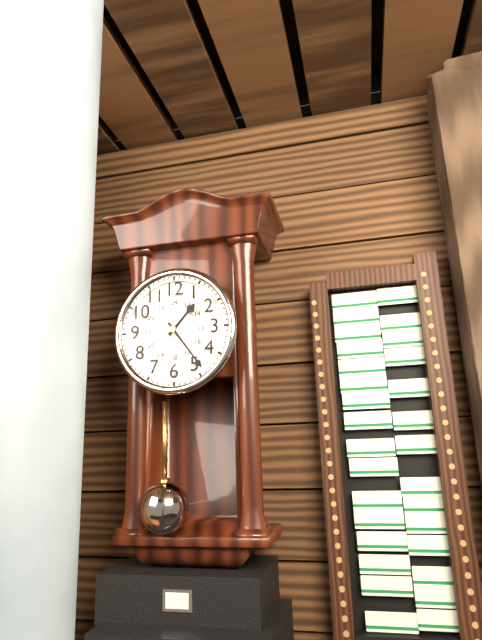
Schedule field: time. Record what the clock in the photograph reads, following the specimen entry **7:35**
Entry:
**1:24**
